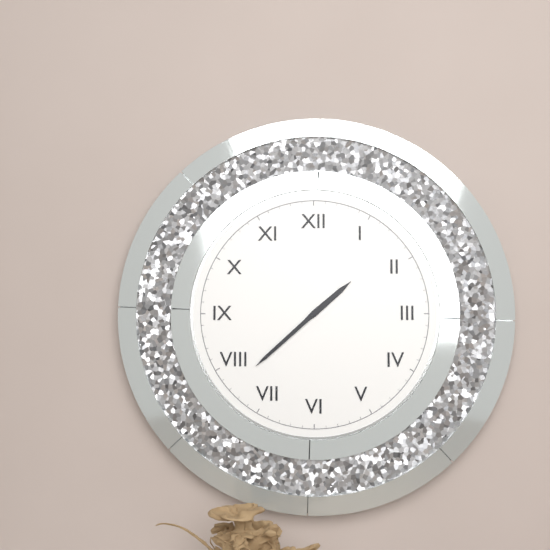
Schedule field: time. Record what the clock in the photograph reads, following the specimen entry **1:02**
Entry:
**1:38**
